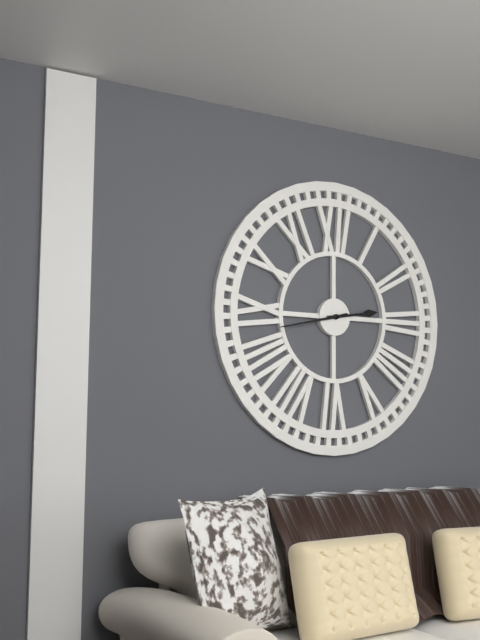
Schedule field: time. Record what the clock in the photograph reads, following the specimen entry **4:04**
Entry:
**2:43**
